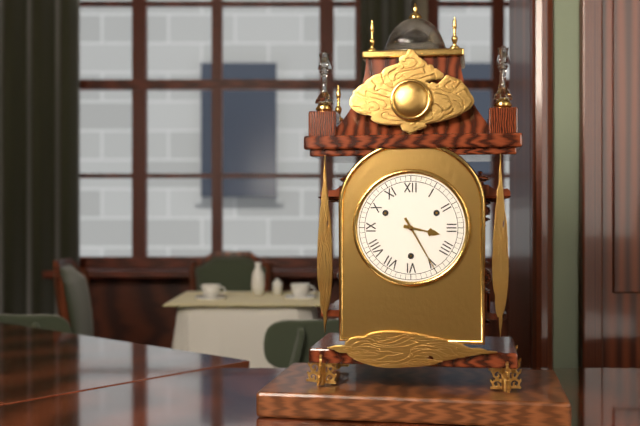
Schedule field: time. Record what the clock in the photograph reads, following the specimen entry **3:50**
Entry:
**3:25**
